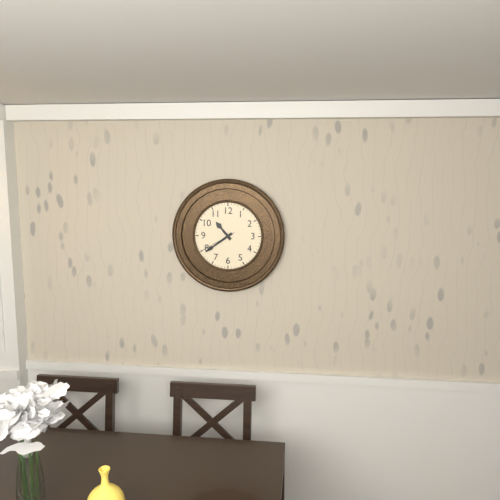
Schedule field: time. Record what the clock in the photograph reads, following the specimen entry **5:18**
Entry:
**10:39**
